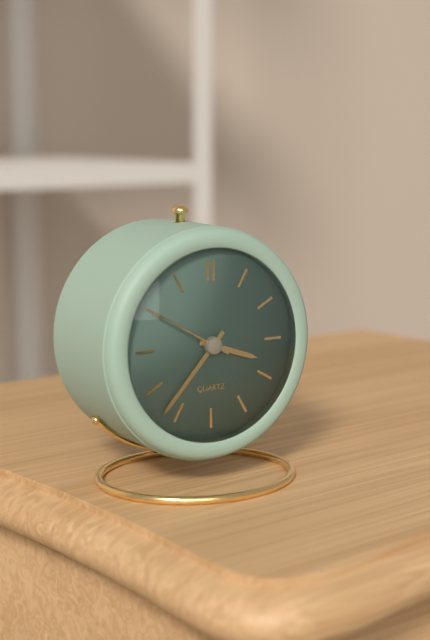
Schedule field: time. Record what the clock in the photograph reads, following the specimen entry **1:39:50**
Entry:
**3:37:50**
